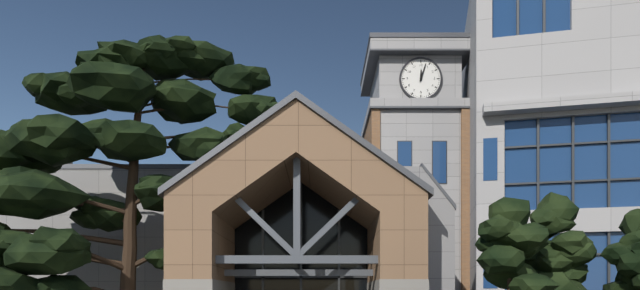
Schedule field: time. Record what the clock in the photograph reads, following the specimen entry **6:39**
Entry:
**12:03**
